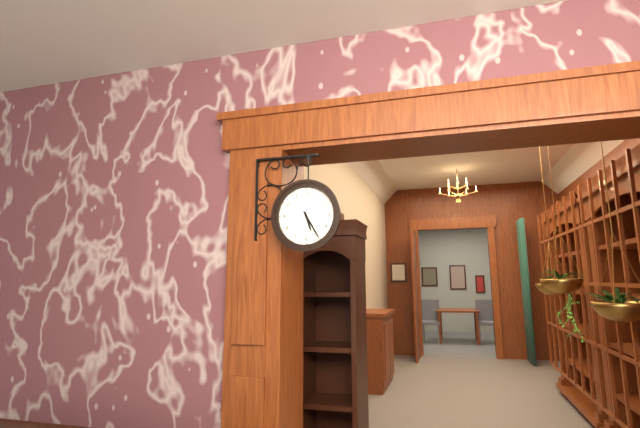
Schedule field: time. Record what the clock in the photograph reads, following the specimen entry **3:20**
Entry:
**5:25**
